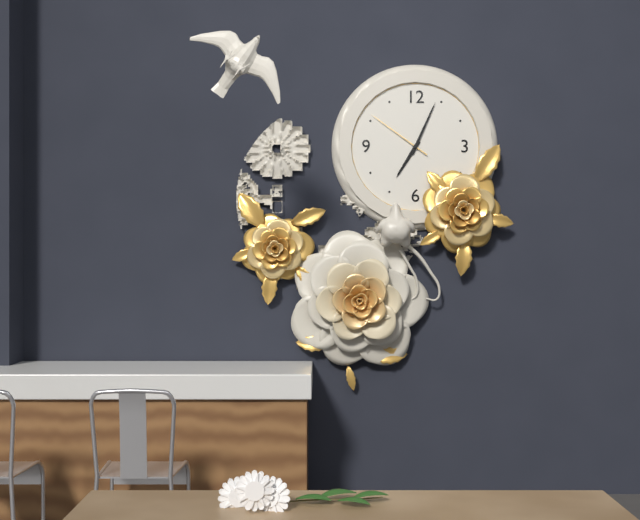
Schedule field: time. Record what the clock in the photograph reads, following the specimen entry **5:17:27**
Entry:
**7:04:51**
